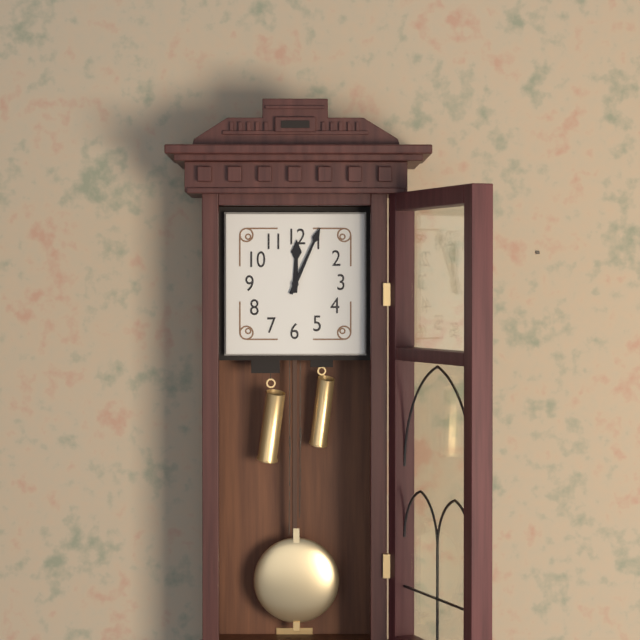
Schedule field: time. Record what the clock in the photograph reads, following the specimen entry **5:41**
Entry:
**12:04**
